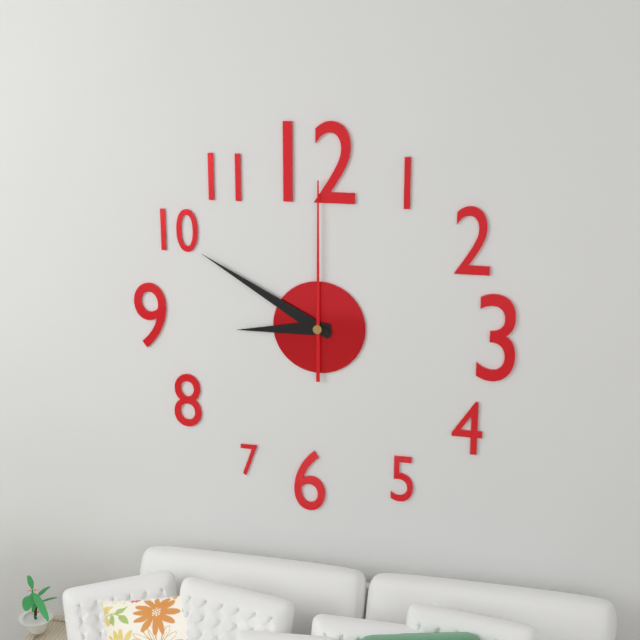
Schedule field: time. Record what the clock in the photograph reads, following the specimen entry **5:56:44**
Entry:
**8:50:00**
